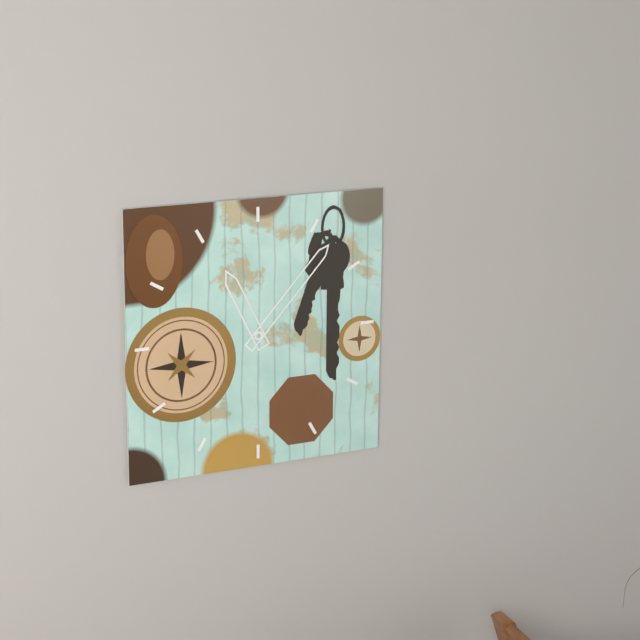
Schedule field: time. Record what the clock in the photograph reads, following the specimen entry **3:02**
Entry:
**11:07**
